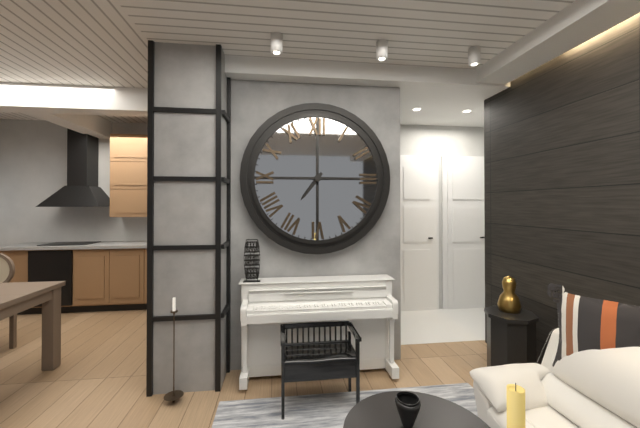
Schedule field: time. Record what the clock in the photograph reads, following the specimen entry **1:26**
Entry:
**7:15**
